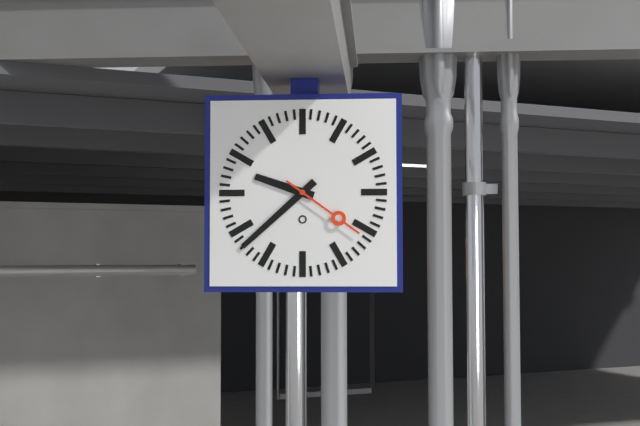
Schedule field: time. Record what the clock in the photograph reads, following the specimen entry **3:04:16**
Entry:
**9:38:21**
